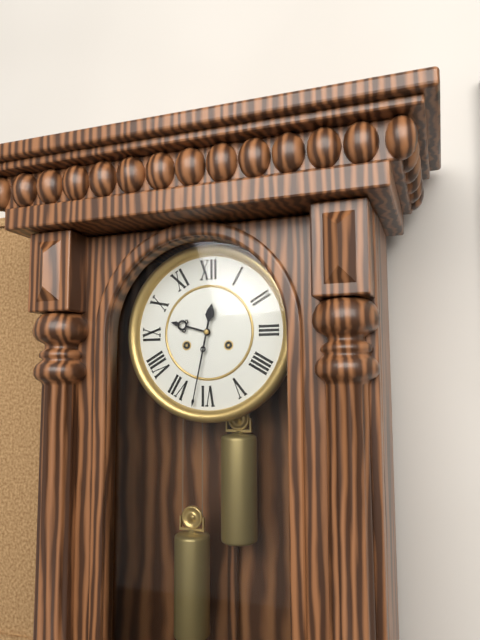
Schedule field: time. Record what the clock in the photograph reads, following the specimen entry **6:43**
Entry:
**9:32**
